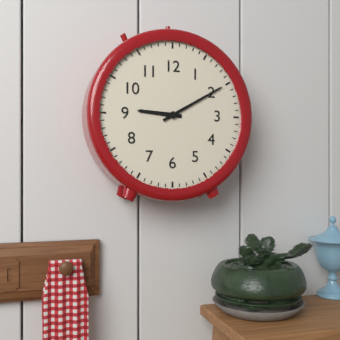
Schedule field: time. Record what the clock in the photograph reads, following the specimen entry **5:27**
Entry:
**9:10**
